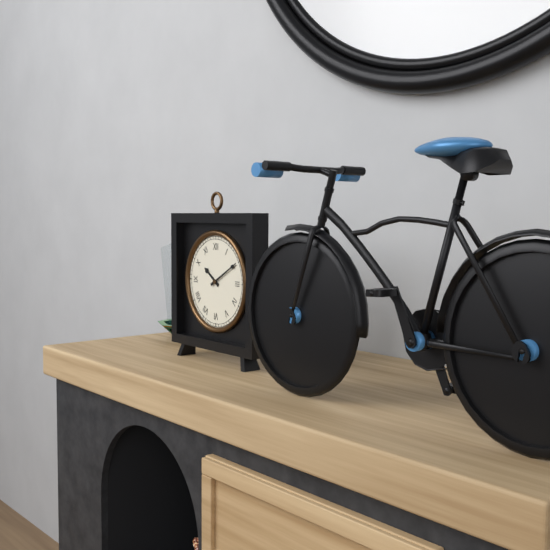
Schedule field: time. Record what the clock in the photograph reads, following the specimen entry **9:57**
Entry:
**10:10**
